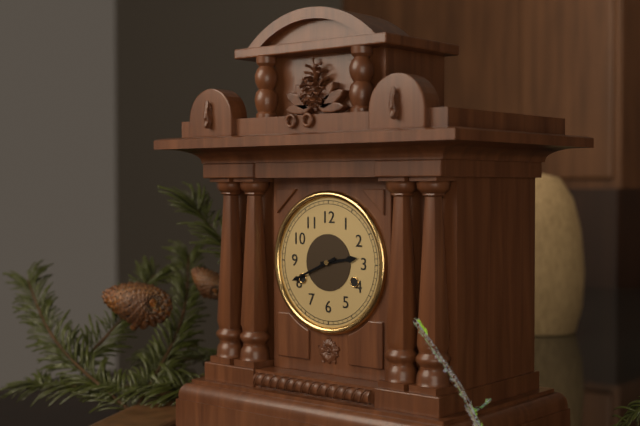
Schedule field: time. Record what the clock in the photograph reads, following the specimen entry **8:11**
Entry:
**2:41**
